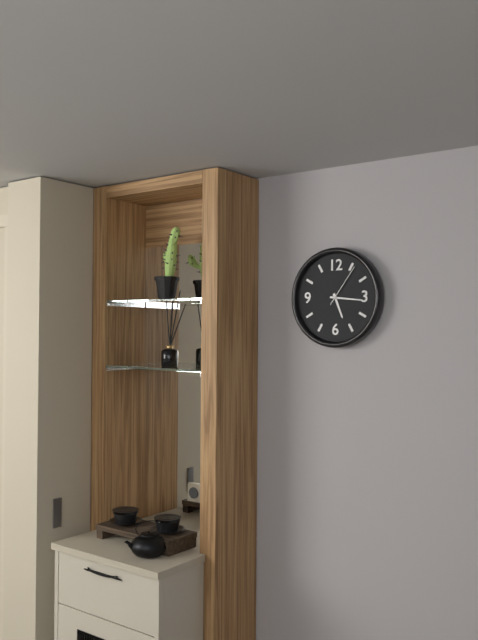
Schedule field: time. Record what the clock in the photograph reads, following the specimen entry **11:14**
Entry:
**5:16**
